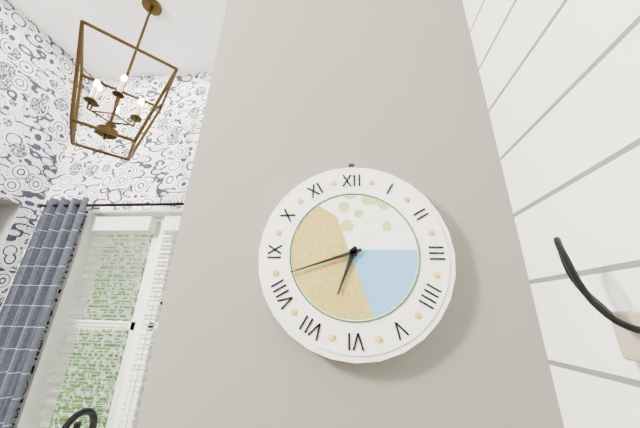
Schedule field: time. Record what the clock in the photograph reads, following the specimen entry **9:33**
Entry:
**6:42**
